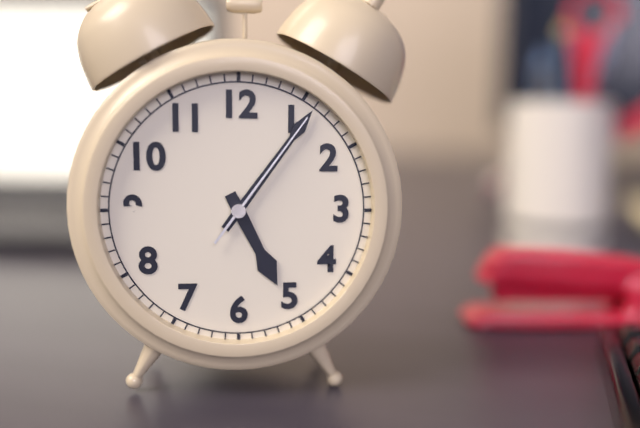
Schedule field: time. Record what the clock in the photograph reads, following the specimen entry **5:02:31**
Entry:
**5:06:06**
